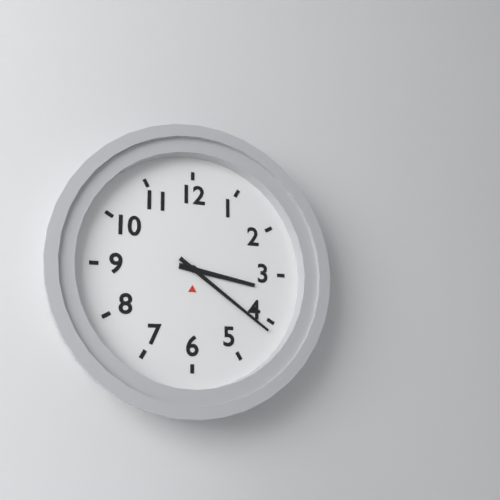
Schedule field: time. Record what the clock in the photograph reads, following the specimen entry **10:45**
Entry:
**3:21**
